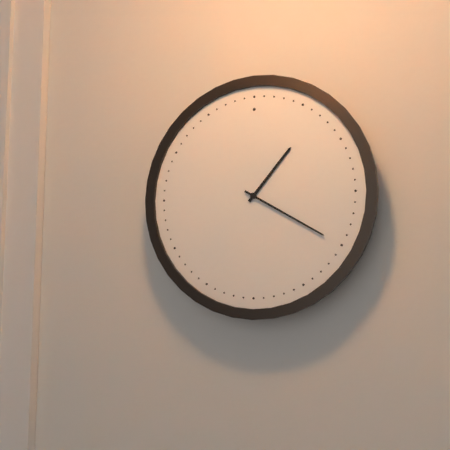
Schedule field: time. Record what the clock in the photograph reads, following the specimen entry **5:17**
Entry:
**1:20**
